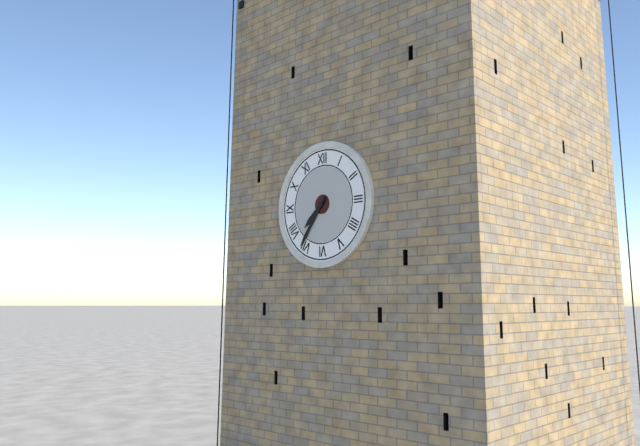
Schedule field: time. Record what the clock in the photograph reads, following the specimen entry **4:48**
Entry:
**7:36**
